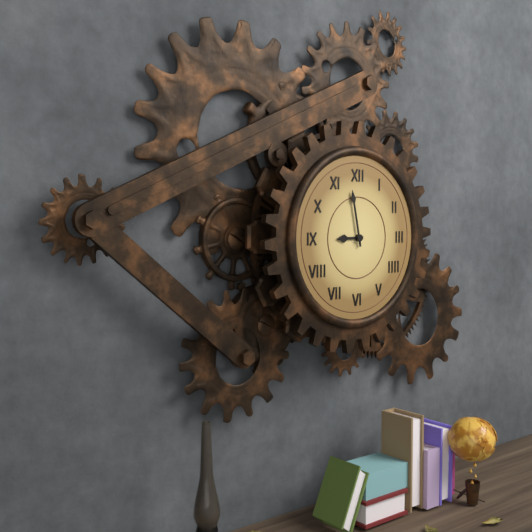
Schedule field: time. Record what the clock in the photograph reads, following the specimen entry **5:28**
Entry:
**8:58**
